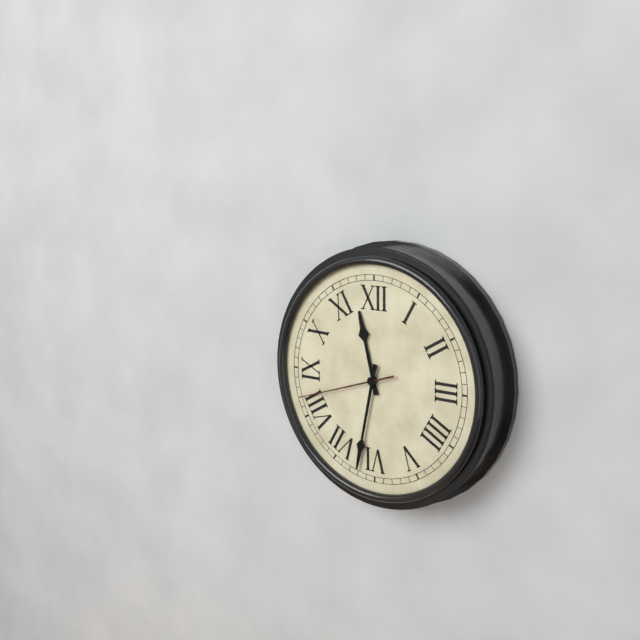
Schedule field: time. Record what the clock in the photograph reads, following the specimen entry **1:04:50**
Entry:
**11:32:42**
